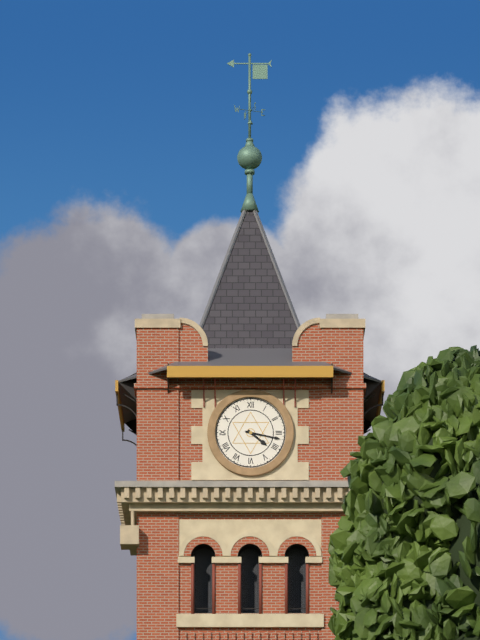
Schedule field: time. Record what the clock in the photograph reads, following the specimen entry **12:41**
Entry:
**4:17**
